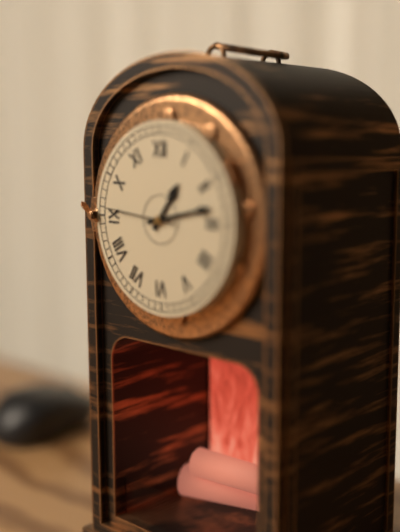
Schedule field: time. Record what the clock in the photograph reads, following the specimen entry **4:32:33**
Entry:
**1:13:46**
